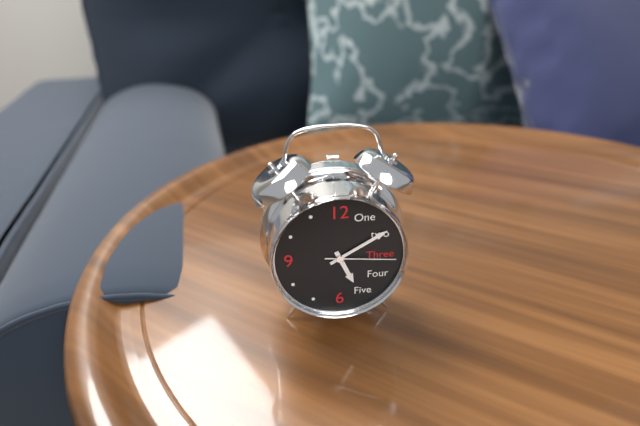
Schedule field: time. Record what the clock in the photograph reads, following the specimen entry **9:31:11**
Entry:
**5:10:16**
